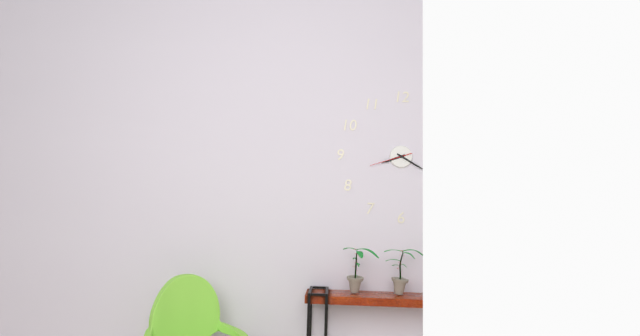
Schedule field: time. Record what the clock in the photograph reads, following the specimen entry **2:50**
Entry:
**8:20**
